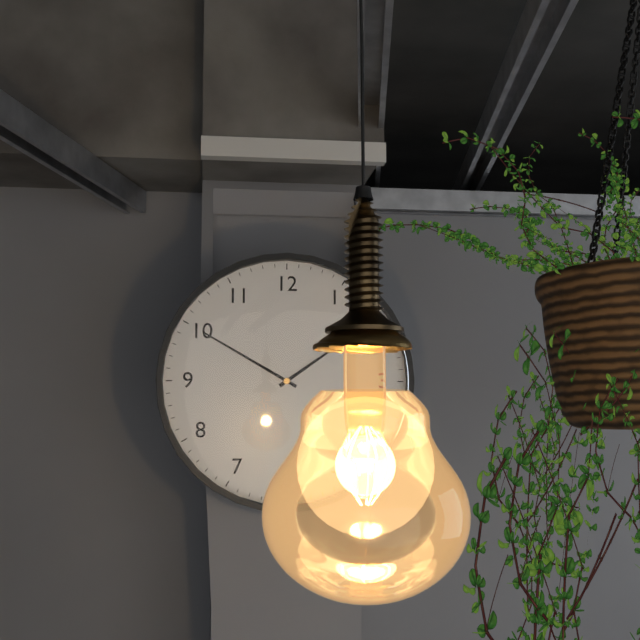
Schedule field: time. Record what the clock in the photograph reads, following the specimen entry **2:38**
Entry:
**1:50**
